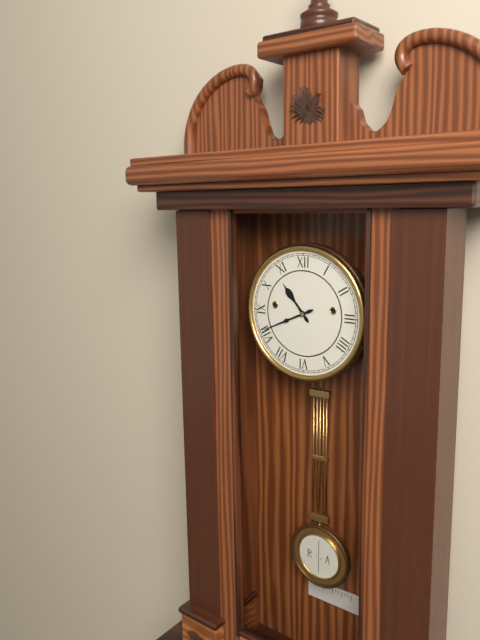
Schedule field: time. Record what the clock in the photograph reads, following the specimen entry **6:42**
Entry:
**10:41**
